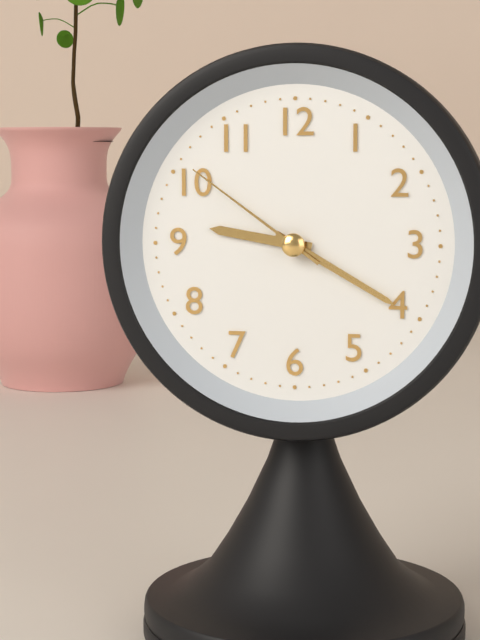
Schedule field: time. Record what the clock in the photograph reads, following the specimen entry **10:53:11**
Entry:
**9:20:51**
